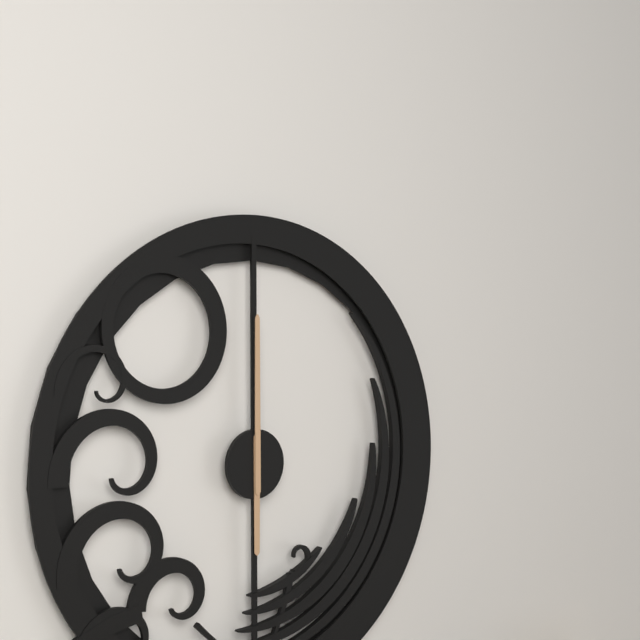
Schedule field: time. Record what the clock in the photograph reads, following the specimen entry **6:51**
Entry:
**6:00**
